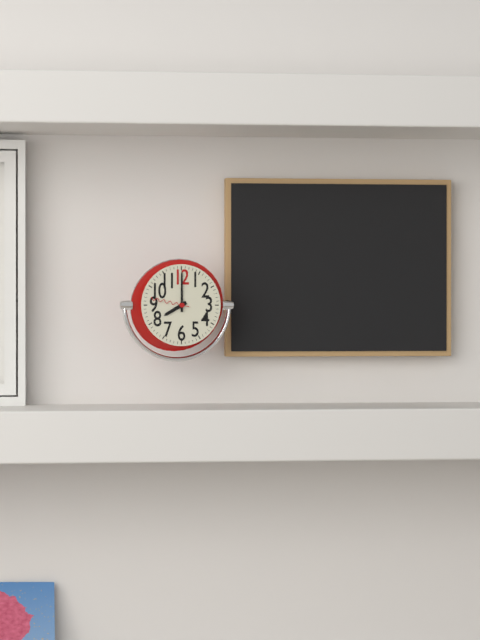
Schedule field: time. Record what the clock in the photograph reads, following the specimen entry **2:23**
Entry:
**8:00**
